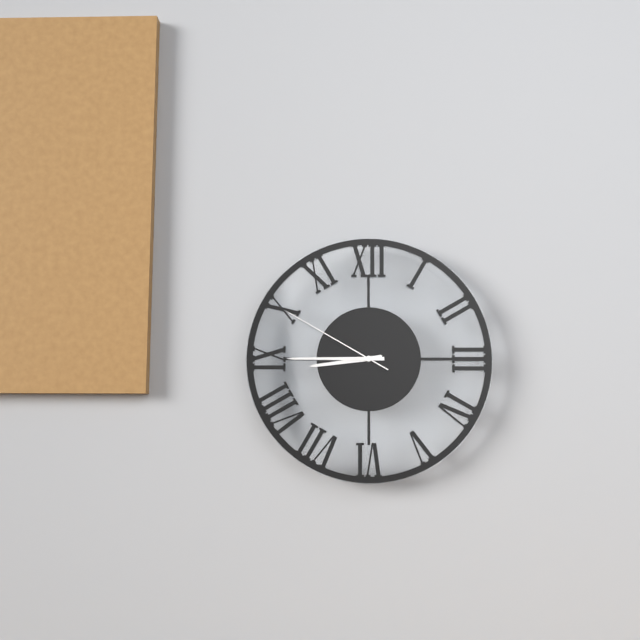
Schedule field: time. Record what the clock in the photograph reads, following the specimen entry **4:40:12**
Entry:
**8:45:50**
